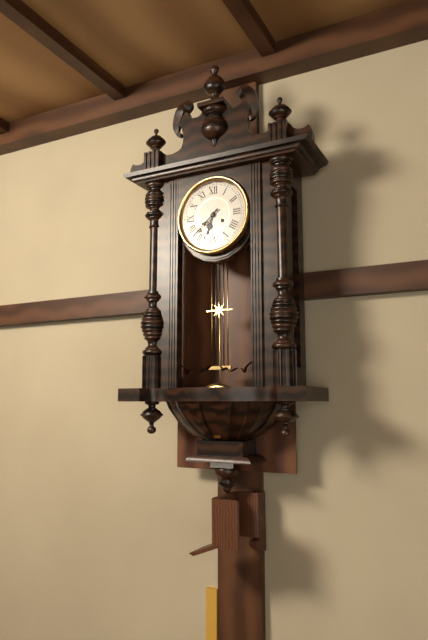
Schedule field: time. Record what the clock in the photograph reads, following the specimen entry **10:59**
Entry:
**6:38**
